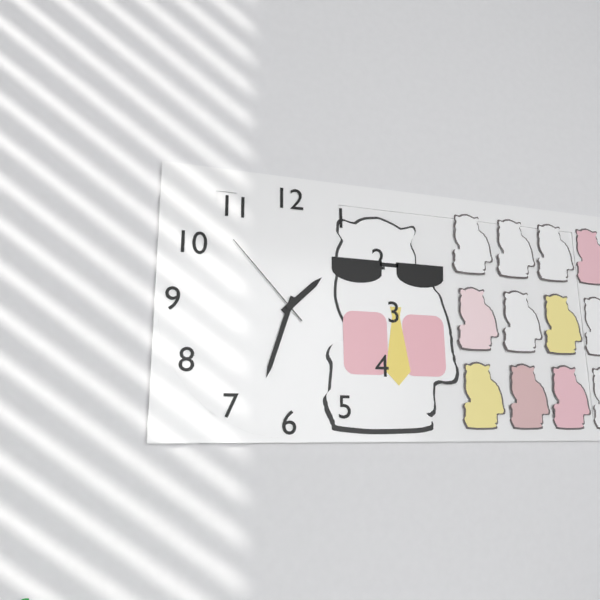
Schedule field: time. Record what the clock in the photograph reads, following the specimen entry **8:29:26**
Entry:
**1:33:53**
